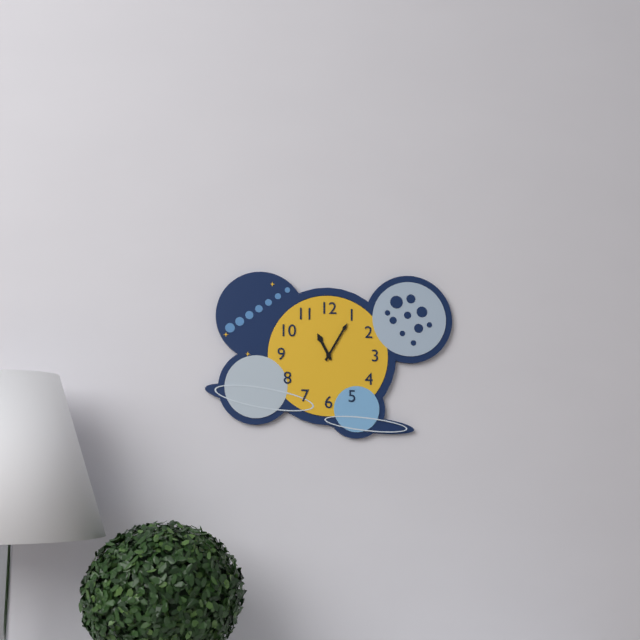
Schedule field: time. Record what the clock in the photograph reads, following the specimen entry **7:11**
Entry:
**11:05**
